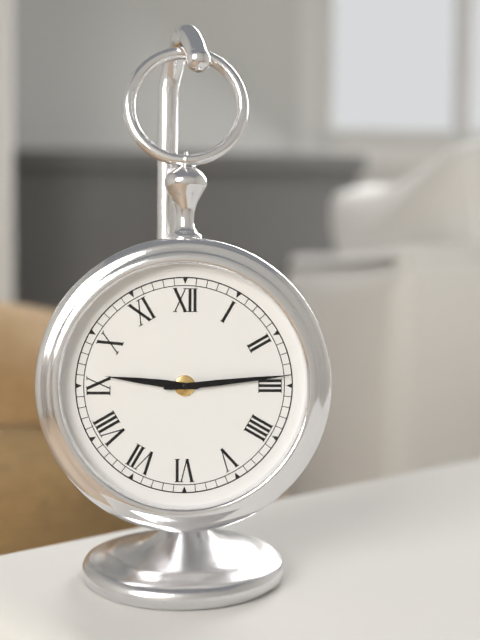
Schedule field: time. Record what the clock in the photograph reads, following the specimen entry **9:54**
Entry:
**9:14**
